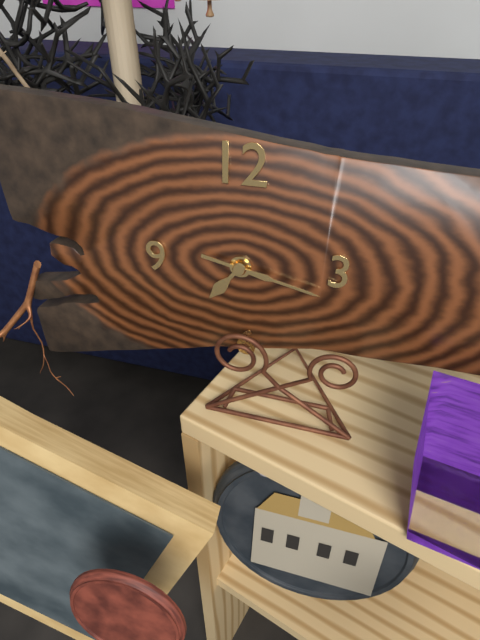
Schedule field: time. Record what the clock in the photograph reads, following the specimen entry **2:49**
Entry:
**7:17**
